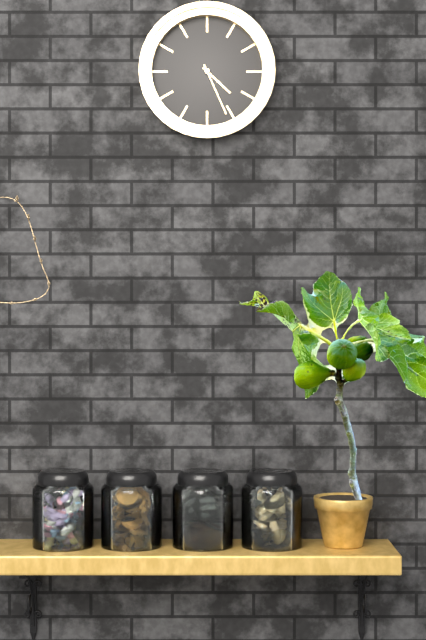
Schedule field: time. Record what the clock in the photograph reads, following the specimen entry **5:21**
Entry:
**4:26**
